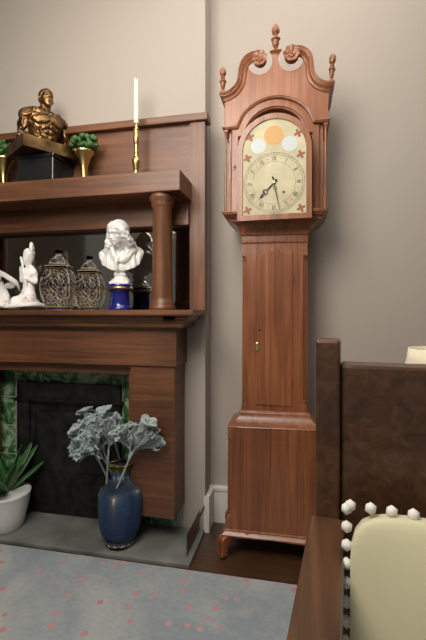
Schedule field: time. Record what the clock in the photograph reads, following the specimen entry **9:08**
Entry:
**7:28**
